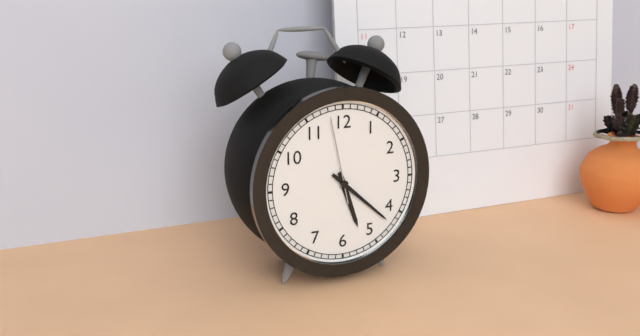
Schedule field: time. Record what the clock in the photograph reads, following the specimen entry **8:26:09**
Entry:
**5:22:58**
